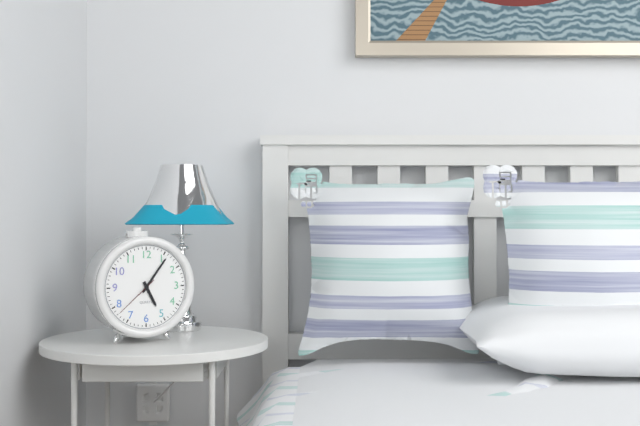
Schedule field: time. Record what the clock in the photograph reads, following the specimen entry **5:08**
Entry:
**5:06**
